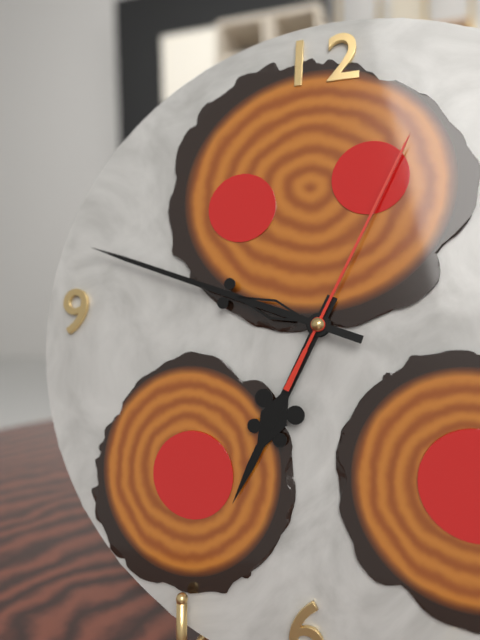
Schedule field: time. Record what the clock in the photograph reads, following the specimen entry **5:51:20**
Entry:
**6:48:04**
